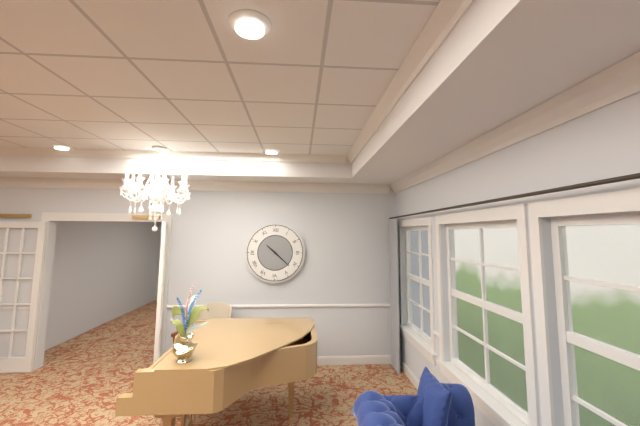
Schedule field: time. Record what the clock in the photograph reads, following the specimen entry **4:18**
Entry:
**10:22**
